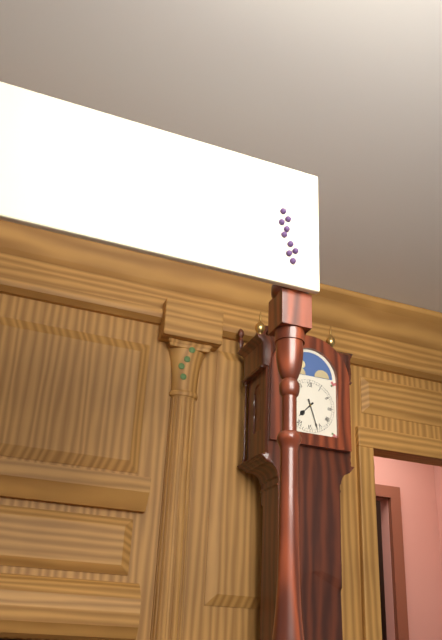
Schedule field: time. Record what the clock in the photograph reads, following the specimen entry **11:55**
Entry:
**7:27**
